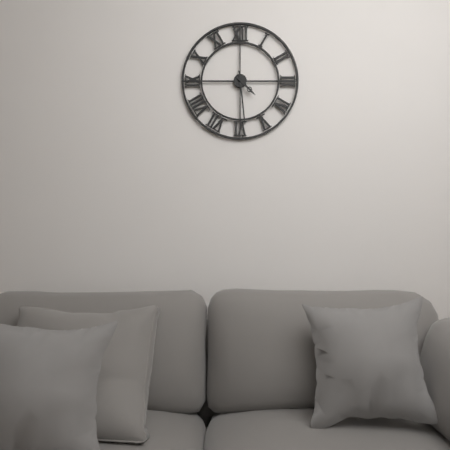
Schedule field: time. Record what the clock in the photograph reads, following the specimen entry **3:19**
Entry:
**4:29**
